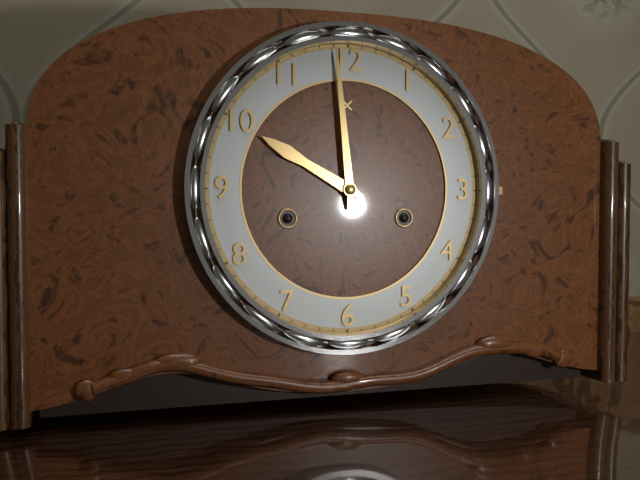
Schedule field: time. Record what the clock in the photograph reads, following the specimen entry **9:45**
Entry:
**9:59**
